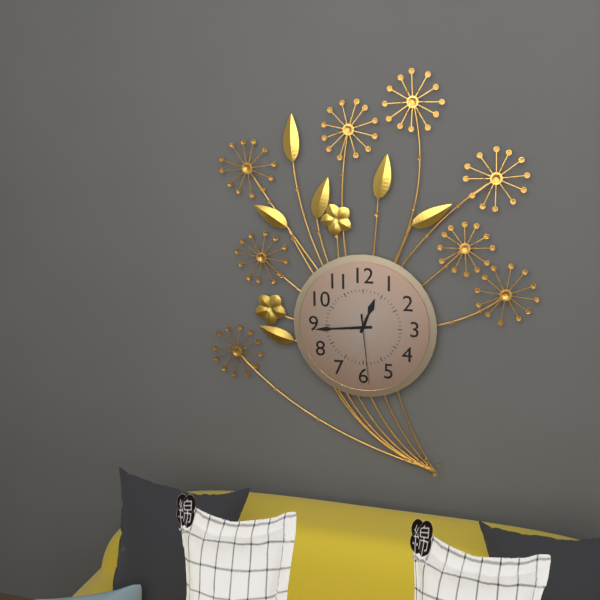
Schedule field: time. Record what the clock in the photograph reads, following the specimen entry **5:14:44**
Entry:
**12:44:29**
